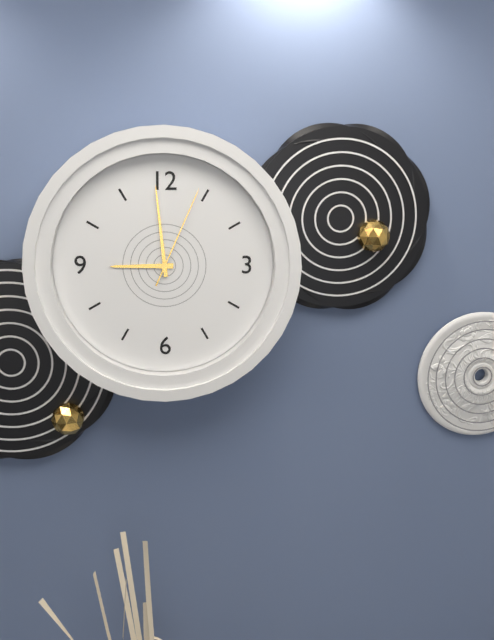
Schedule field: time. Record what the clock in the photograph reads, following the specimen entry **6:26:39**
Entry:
**8:59:04**
